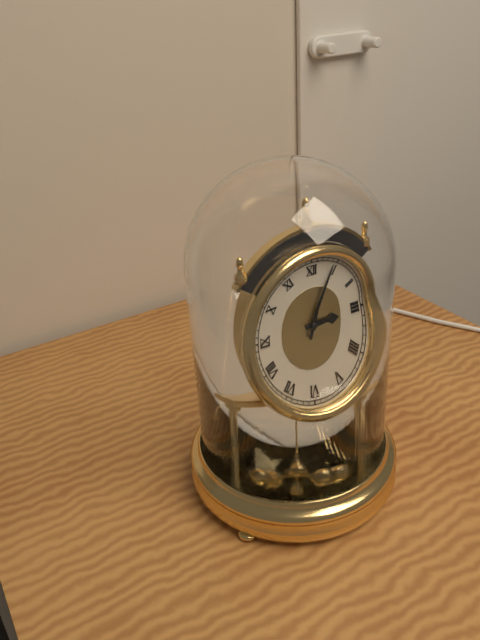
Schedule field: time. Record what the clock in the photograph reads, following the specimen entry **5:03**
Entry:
**3:04**
